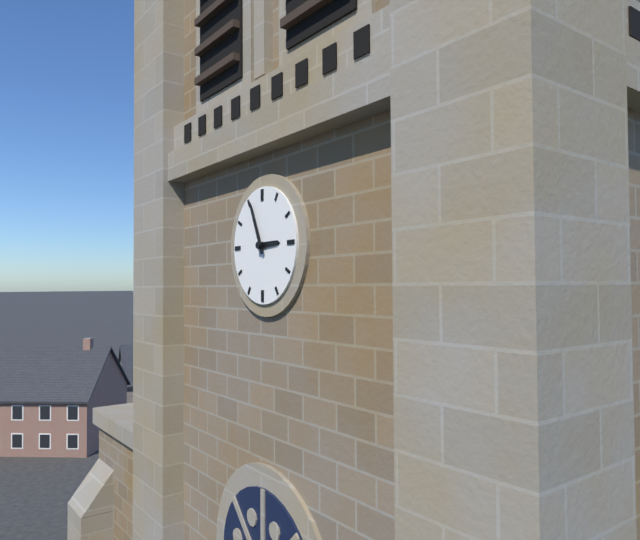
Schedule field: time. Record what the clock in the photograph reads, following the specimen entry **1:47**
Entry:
**2:56**
